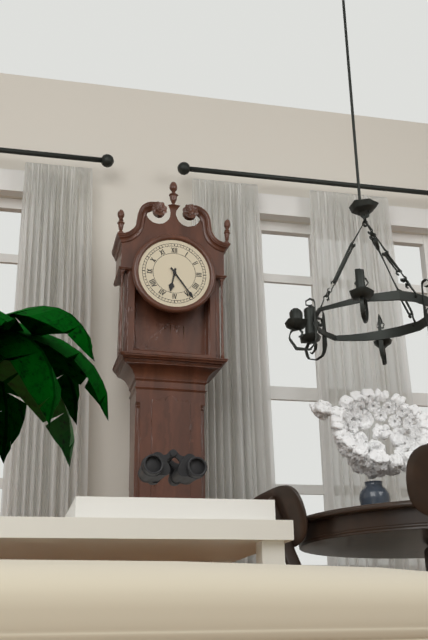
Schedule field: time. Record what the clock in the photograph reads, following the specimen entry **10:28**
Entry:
**6:24**
